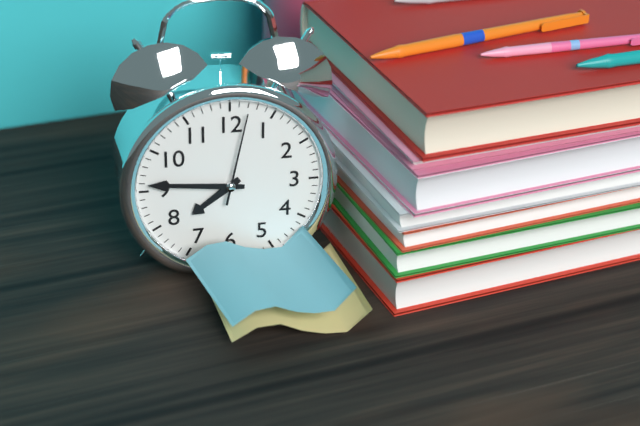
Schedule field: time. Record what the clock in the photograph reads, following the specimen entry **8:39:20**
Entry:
**7:46:02**
